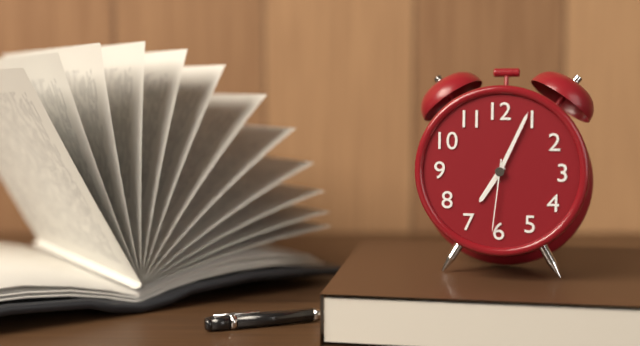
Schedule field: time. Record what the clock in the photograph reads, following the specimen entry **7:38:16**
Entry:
**7:04:31**
